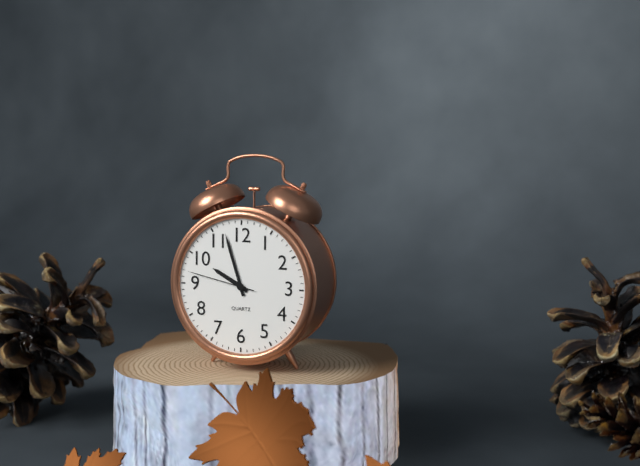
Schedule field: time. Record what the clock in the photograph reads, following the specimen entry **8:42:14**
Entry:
**9:57:47**
